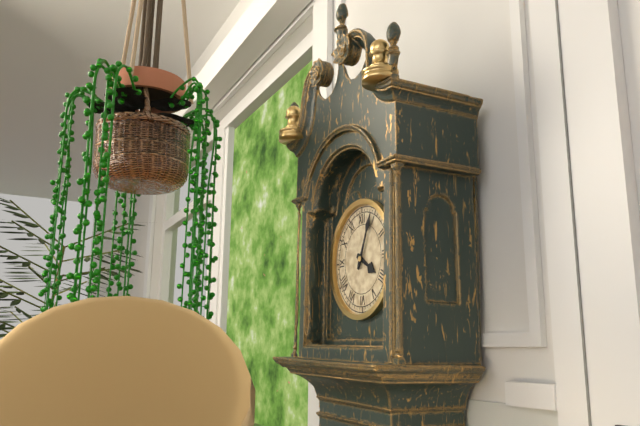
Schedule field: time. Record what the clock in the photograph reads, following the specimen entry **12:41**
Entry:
**4:04**
